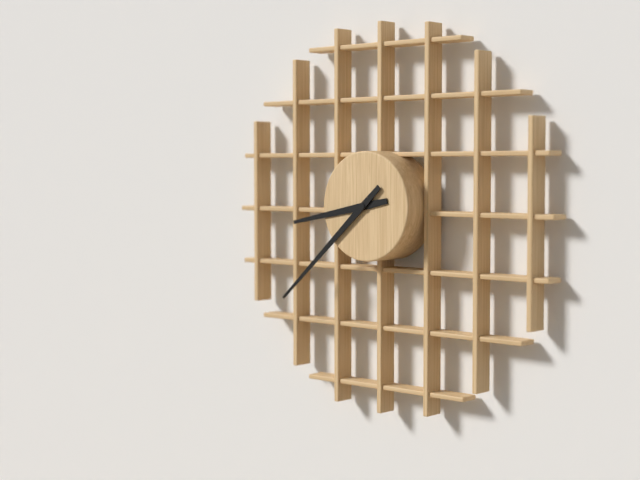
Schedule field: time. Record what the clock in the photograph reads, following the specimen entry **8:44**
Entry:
**8:38**
